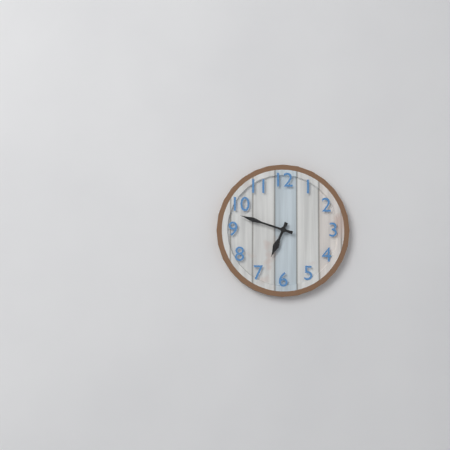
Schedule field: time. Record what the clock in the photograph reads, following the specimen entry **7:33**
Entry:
**6:48**
